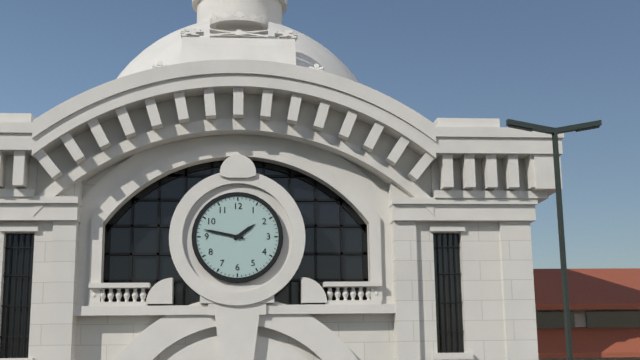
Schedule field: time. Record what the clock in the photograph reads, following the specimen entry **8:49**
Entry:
**1:47**
